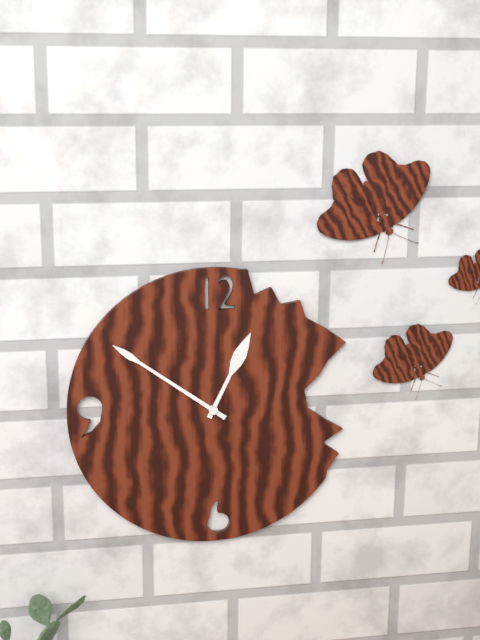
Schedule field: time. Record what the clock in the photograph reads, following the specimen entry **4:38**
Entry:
**12:51**
